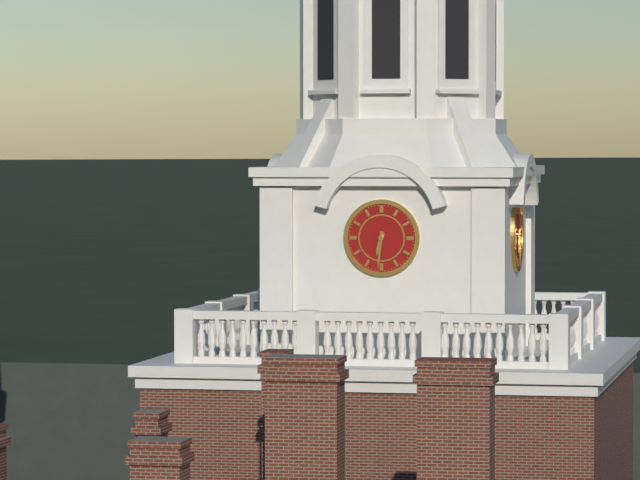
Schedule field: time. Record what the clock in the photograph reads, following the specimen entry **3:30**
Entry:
**6:31**
